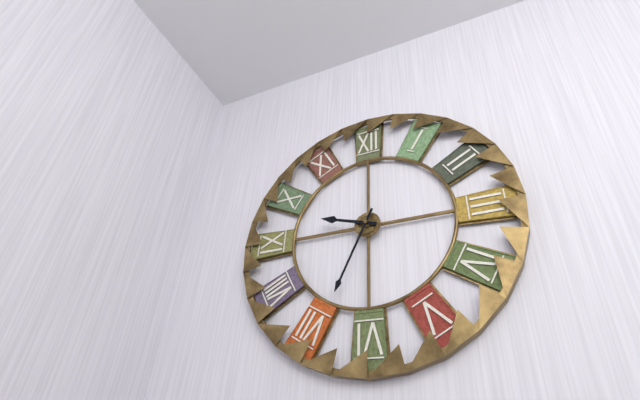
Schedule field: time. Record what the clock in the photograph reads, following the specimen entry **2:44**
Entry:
**9:34**
